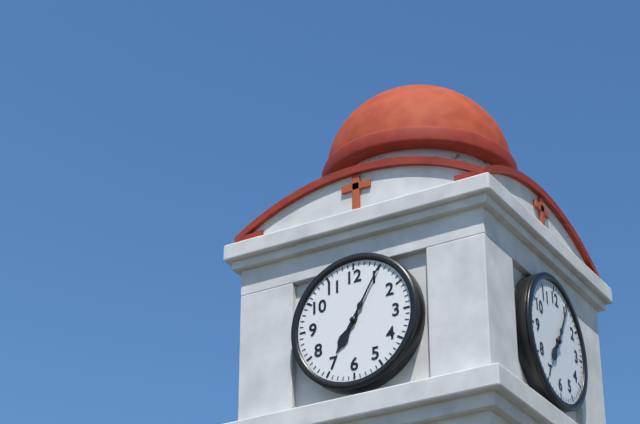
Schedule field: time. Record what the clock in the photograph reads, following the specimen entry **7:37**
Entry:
**7:05**
